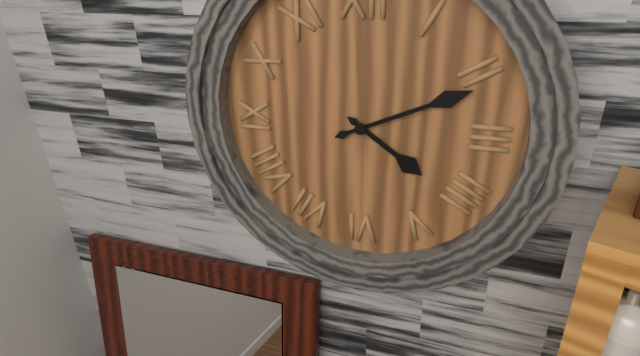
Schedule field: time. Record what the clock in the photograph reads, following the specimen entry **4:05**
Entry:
**4:11**
